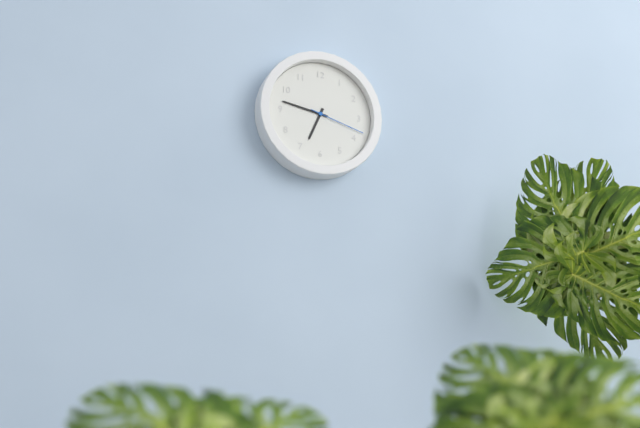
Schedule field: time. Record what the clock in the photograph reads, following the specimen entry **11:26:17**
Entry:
**6:47:18**
